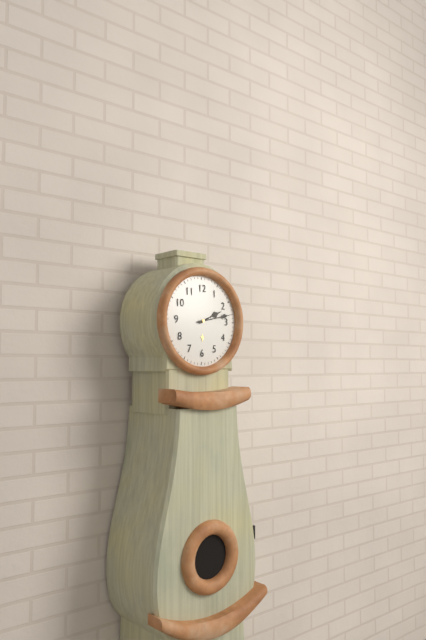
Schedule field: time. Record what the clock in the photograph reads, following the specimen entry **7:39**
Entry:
**2:13**
